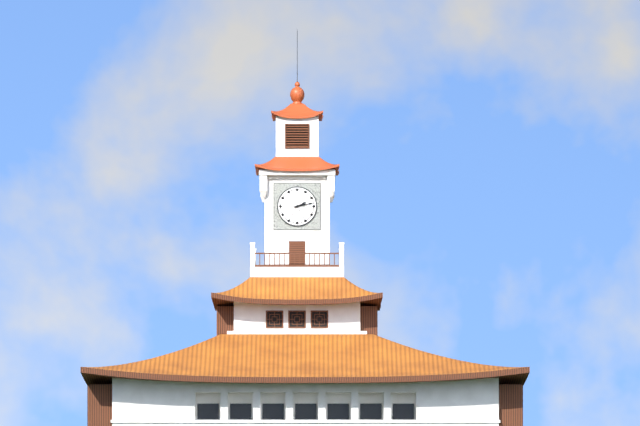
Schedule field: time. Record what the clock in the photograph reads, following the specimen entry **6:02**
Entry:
**2:13**
